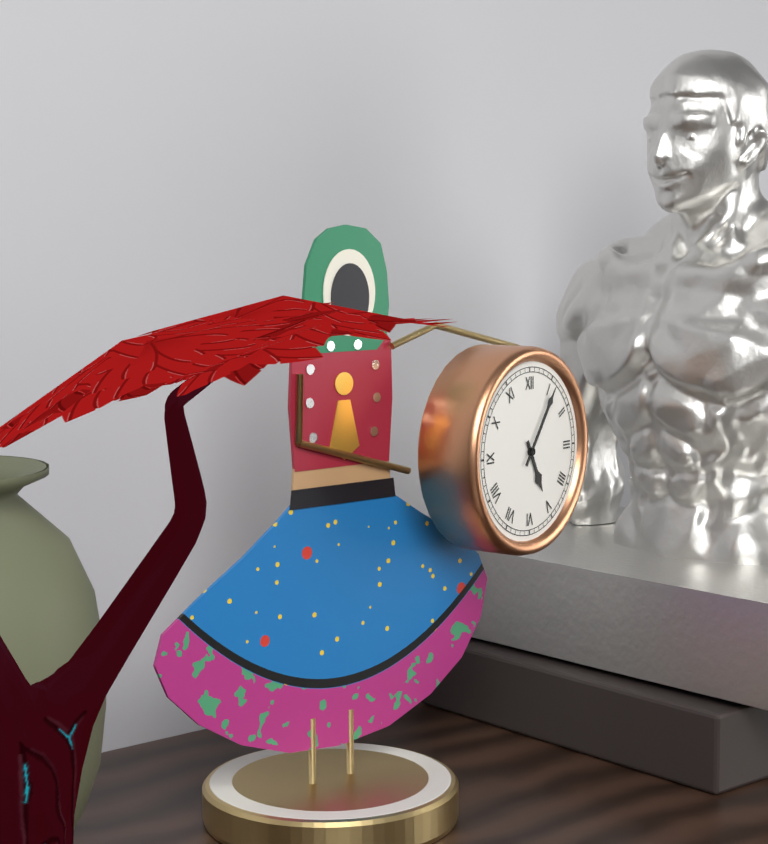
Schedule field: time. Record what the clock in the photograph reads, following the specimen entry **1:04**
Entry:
**5:06**
